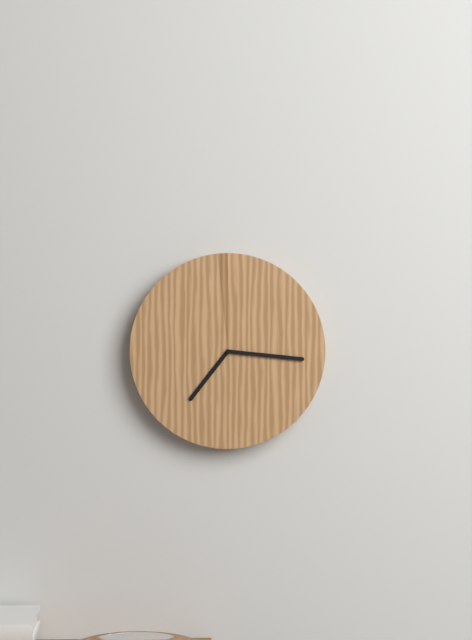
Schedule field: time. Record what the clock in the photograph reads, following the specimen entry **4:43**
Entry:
**7:16**
